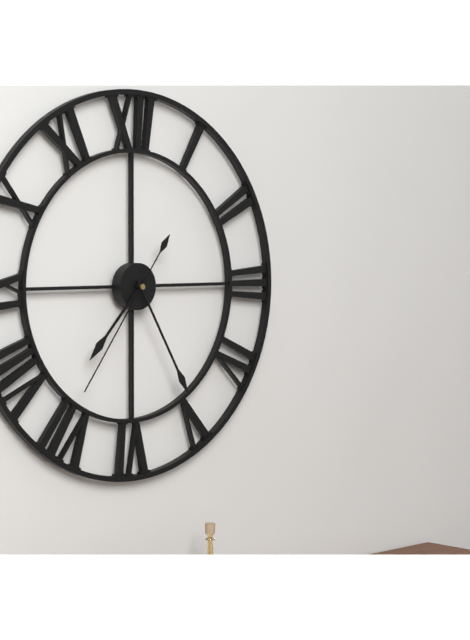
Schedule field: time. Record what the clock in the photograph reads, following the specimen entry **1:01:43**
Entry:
**7:25:36**
